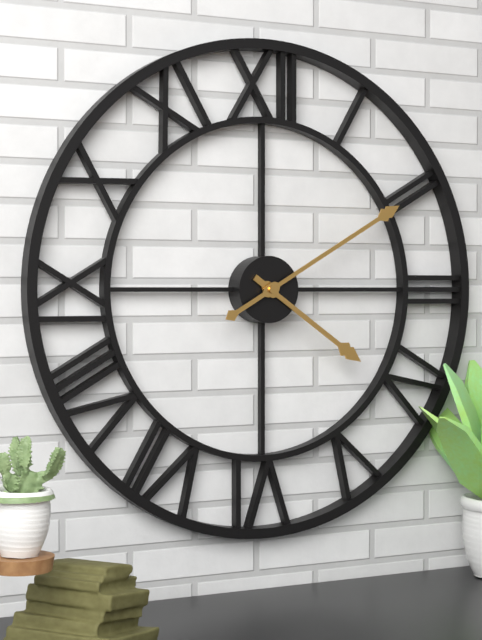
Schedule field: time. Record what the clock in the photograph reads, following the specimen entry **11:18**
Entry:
**4:10**
